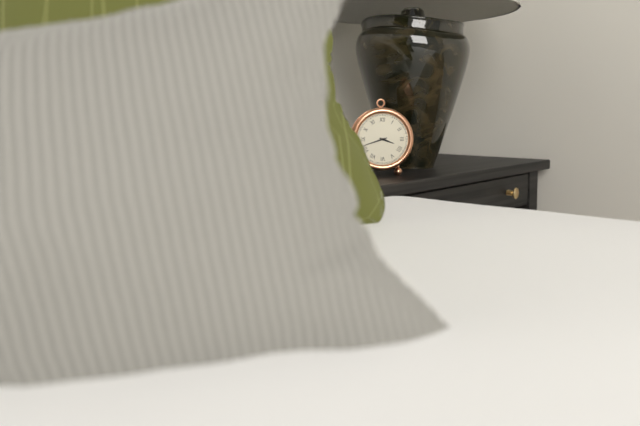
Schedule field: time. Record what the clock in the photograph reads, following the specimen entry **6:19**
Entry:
**3:42**
